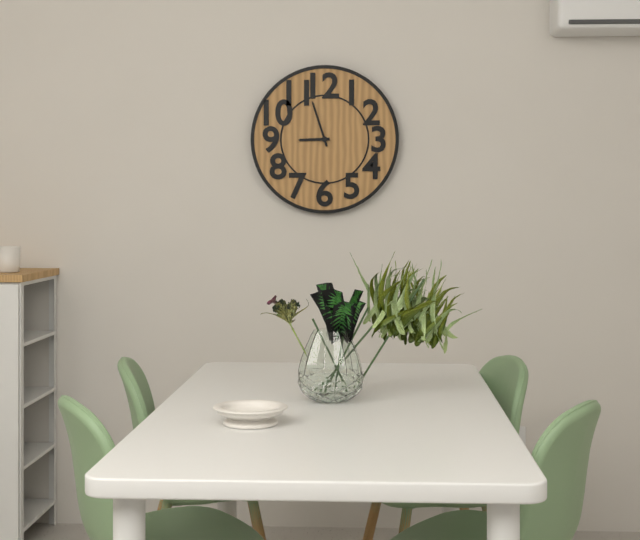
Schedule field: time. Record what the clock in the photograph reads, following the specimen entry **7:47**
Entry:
**8:57**
